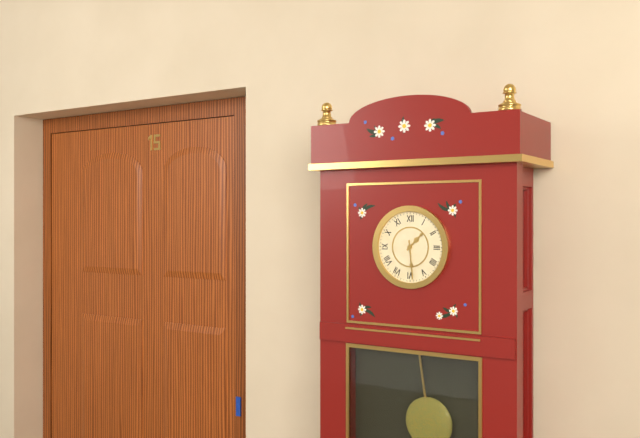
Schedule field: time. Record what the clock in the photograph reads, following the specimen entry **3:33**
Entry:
**1:29**
